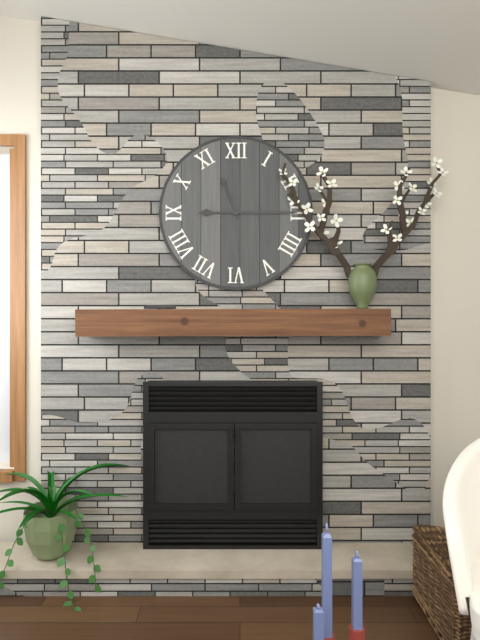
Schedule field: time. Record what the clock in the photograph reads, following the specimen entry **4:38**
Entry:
**11:15**
